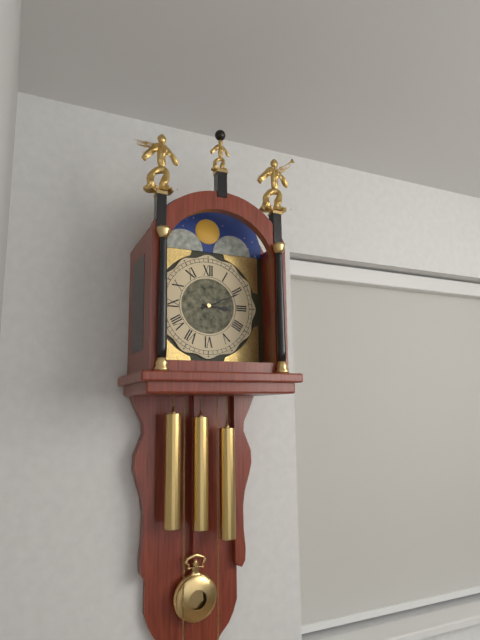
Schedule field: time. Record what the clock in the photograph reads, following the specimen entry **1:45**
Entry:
**3:11**
